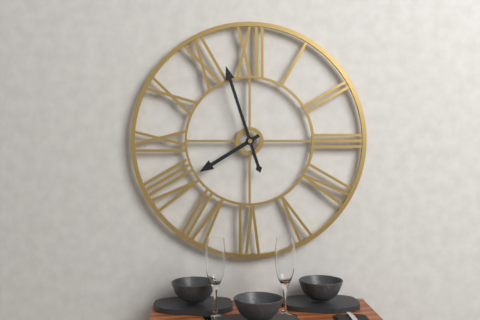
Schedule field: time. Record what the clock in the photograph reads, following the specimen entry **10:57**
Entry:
**7:57**
